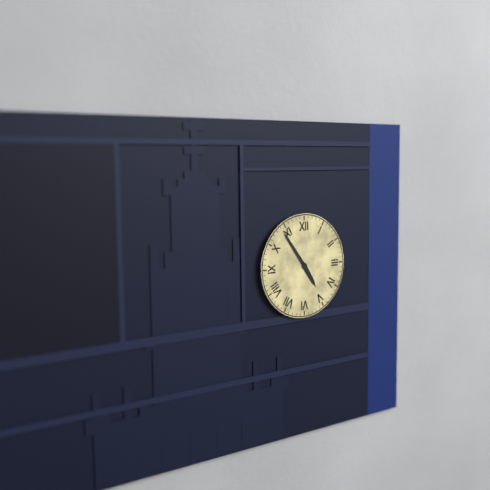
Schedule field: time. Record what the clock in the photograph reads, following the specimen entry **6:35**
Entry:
**4:54**
